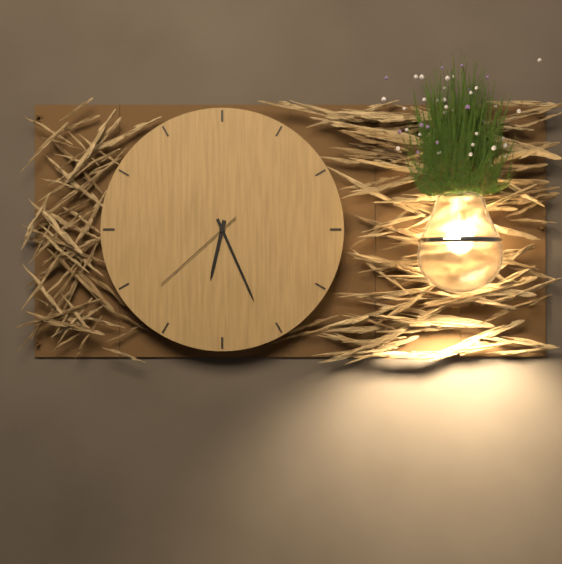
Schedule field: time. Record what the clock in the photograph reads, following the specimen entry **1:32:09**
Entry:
**6:26:38**
